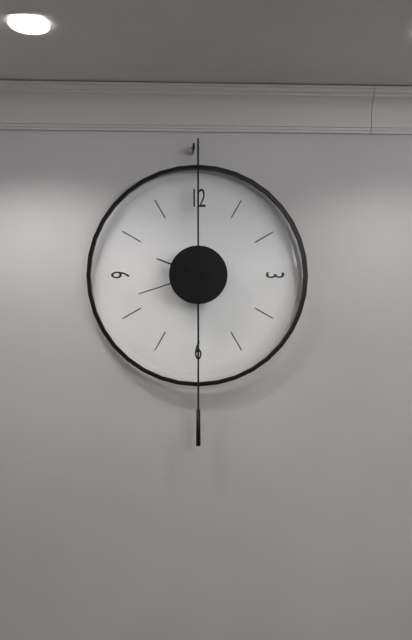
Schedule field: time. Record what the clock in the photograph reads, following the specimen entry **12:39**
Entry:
**9:42**
